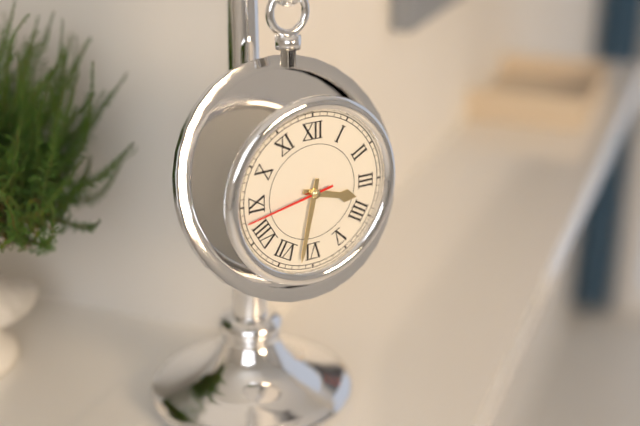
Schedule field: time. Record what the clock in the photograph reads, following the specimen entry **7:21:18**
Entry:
**3:32:43**
